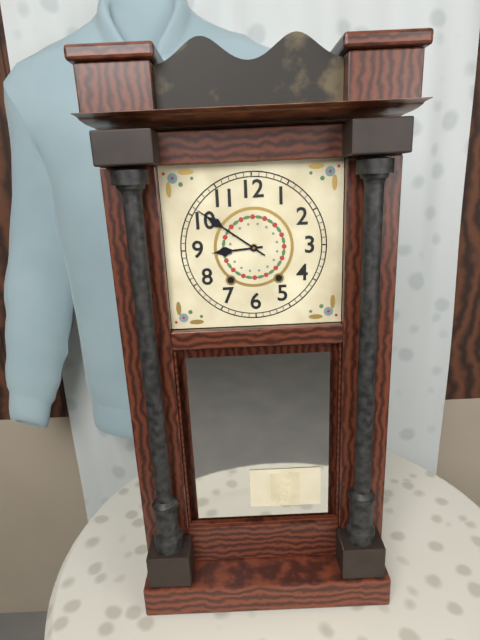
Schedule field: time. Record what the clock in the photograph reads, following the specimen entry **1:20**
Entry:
**8:51**
